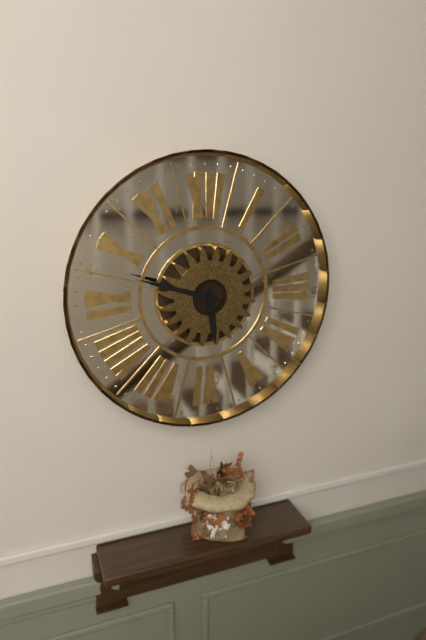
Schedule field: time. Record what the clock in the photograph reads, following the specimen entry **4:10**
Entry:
**5:48**
